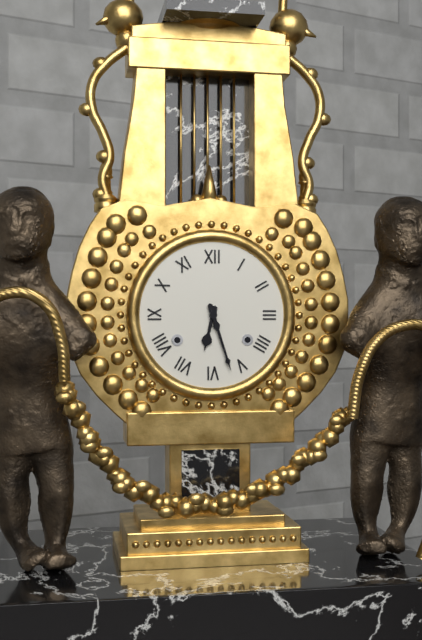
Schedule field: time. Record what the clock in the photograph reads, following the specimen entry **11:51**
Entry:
**6:27**
